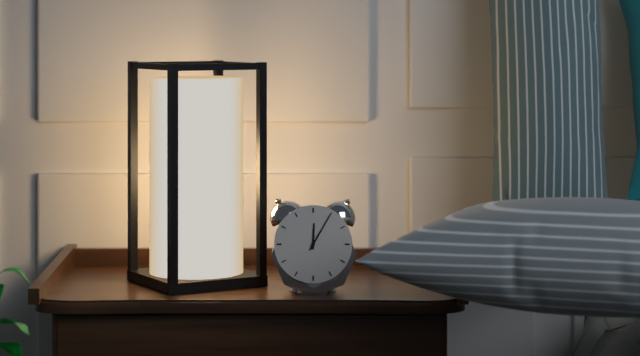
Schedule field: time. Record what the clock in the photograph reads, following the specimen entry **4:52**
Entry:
**12:05**
